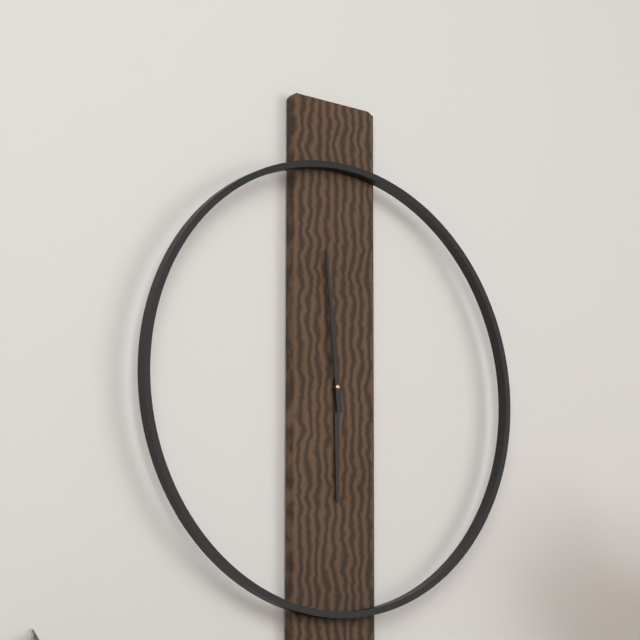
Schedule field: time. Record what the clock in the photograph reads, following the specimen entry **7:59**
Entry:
**5:59**
